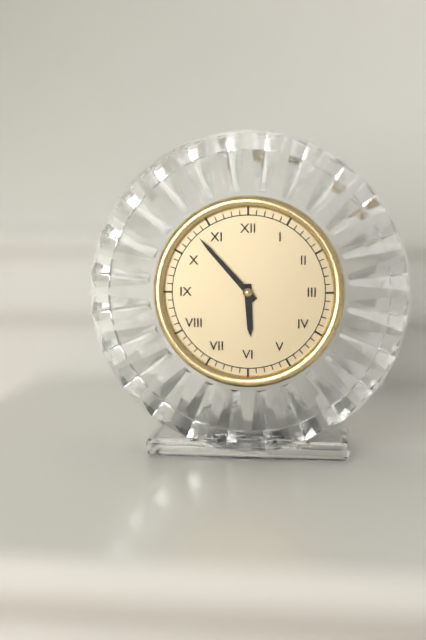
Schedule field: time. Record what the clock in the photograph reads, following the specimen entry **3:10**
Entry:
**5:53**
